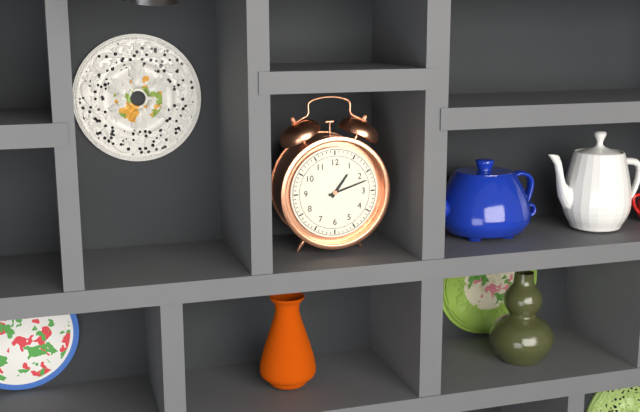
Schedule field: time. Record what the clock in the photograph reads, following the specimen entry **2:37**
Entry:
**1:12**
